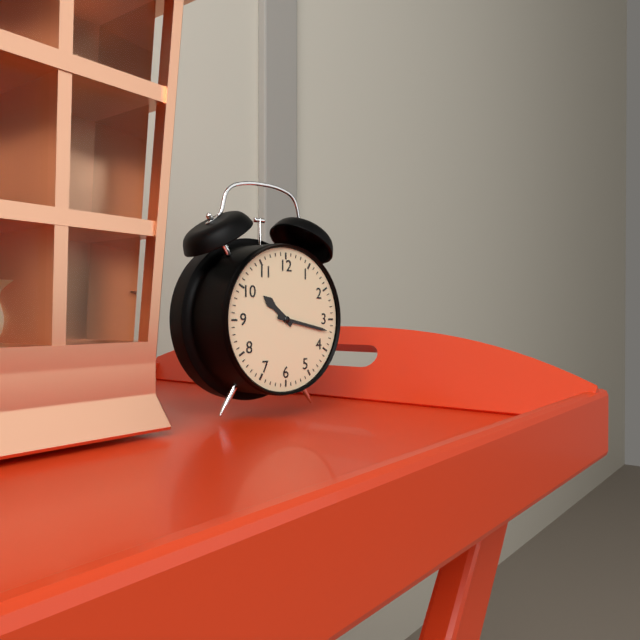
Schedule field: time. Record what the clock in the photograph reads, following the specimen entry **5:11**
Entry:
**10:17**
